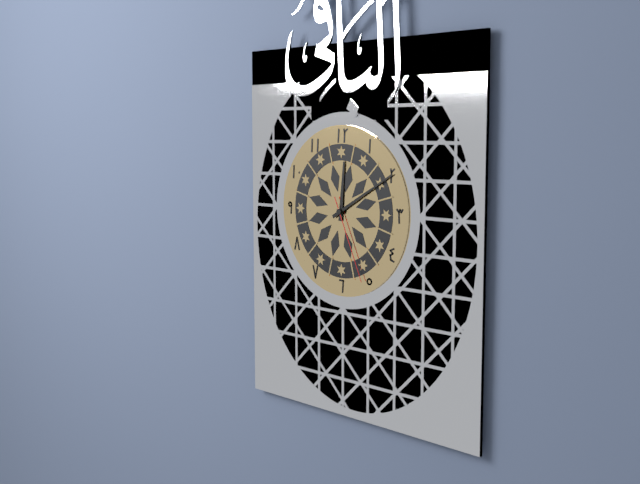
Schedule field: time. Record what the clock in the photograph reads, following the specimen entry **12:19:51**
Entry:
**12:10:26**
